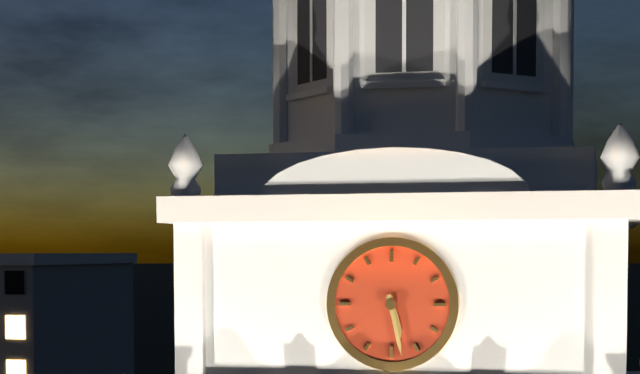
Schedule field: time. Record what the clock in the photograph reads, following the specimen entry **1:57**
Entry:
**5:28**
